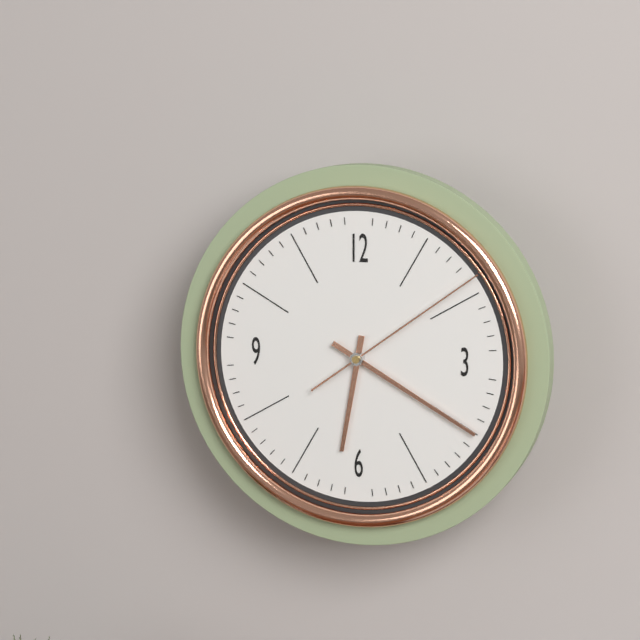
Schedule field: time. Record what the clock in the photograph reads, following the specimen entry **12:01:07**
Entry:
**6:20:09**
